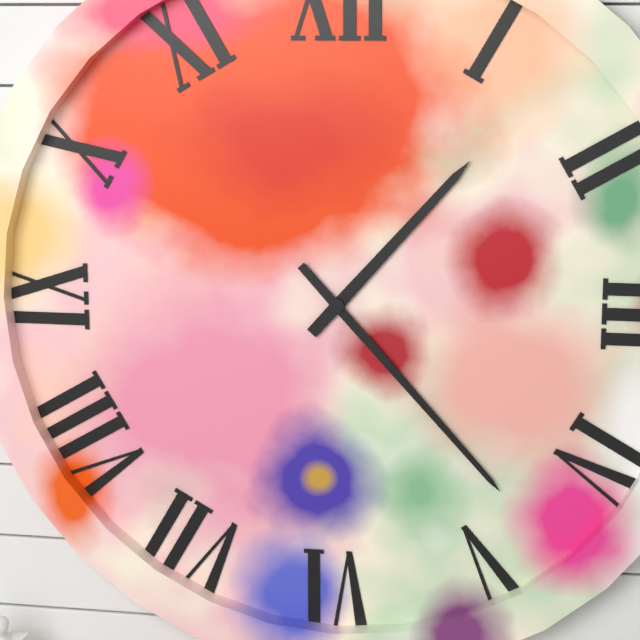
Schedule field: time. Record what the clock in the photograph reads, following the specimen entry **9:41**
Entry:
**1:23**
